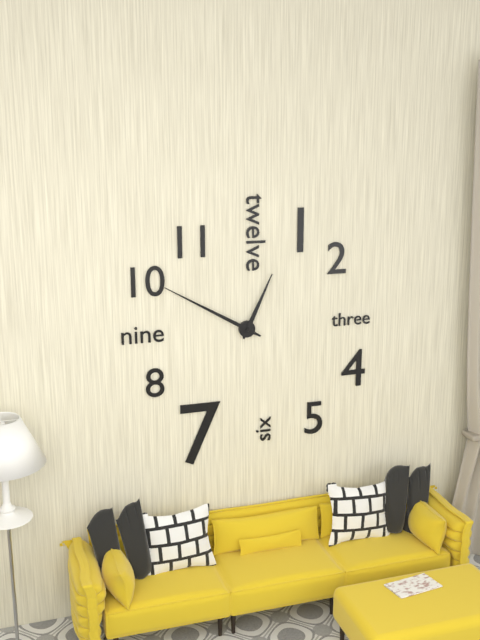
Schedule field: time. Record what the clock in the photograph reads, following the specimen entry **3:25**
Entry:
**12:50**
